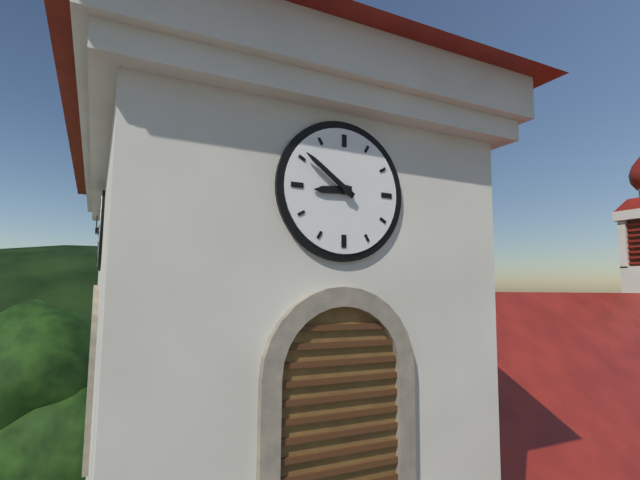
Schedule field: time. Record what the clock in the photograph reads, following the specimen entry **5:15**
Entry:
**8:51**
